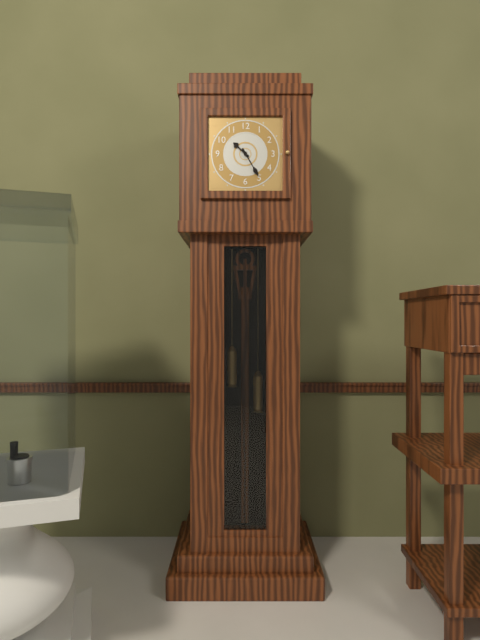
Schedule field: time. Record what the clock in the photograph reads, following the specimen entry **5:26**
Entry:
**10:25**
